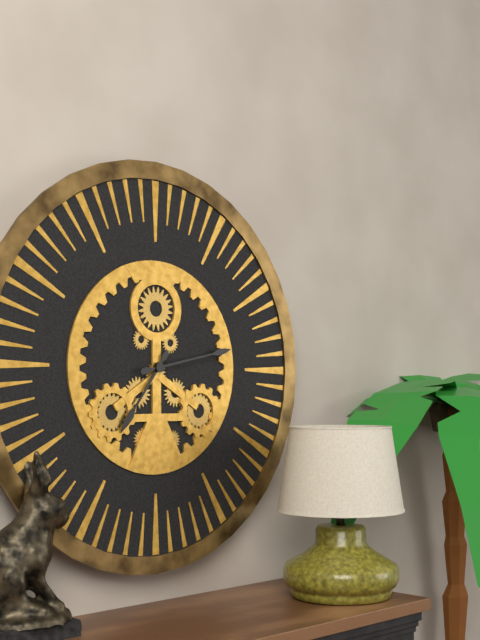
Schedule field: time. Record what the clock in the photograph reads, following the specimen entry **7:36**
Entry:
**7:13**
